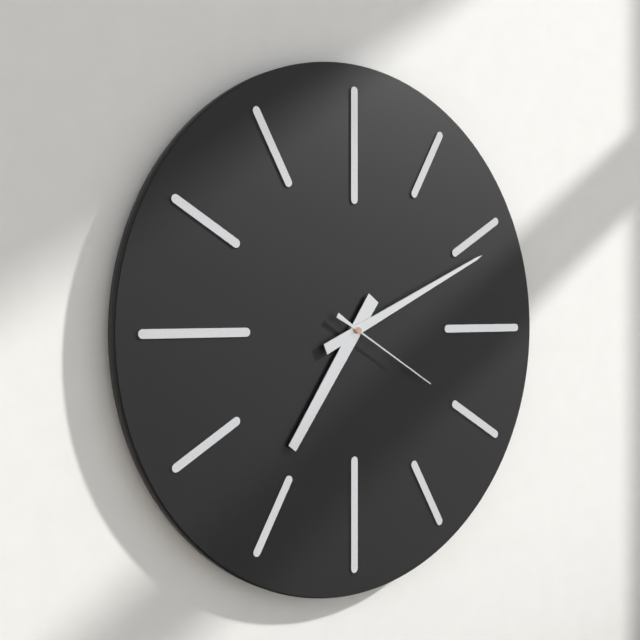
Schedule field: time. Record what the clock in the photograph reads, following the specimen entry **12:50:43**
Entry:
**7:11:20**
